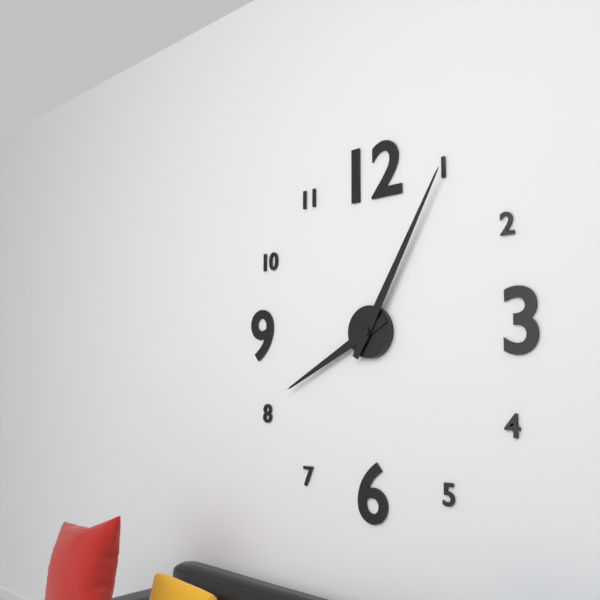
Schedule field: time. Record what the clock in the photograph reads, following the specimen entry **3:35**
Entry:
**8:05**
